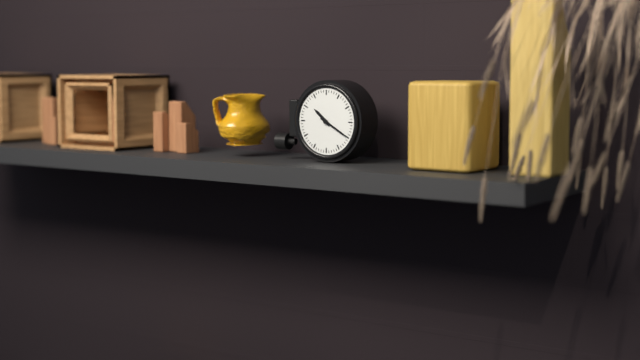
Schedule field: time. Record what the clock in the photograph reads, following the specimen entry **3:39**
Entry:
**10:20**
